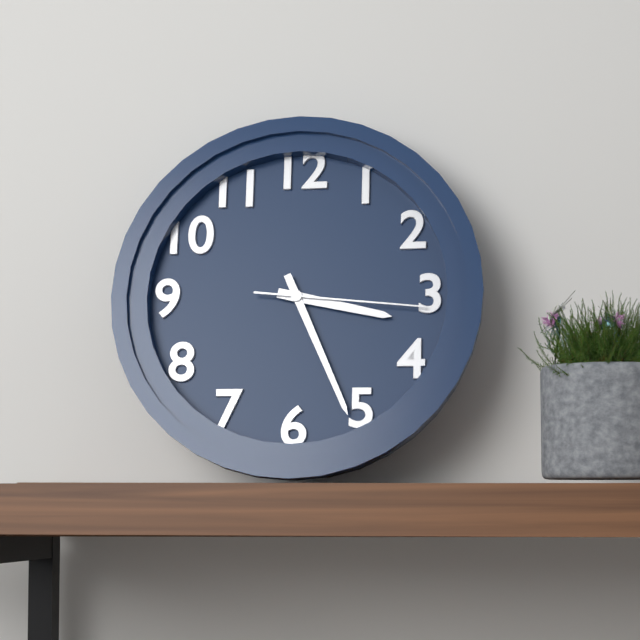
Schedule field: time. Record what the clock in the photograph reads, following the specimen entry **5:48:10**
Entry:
**3:26:16**
